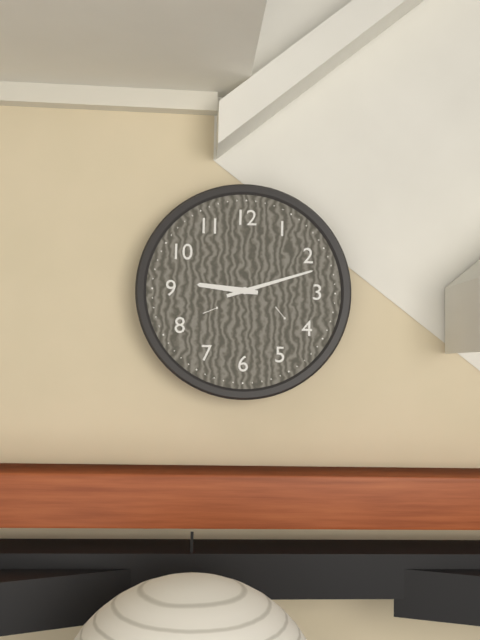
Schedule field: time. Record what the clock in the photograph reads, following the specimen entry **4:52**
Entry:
**9:12**
